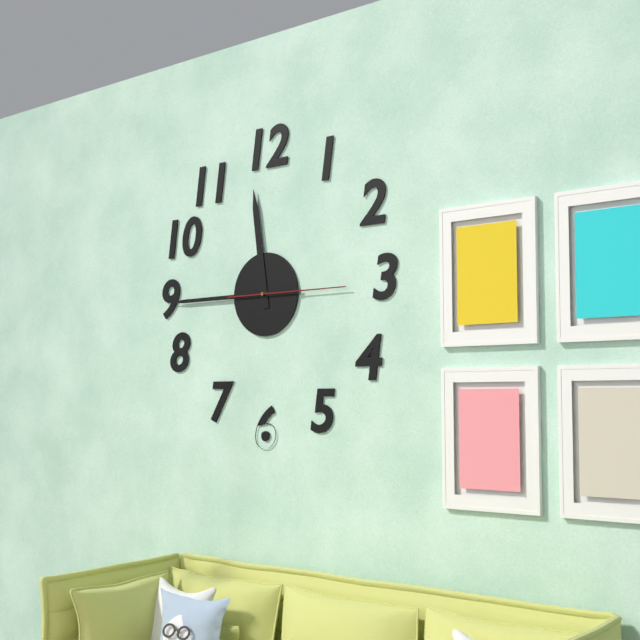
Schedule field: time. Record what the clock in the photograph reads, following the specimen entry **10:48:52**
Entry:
**11:45:15**
